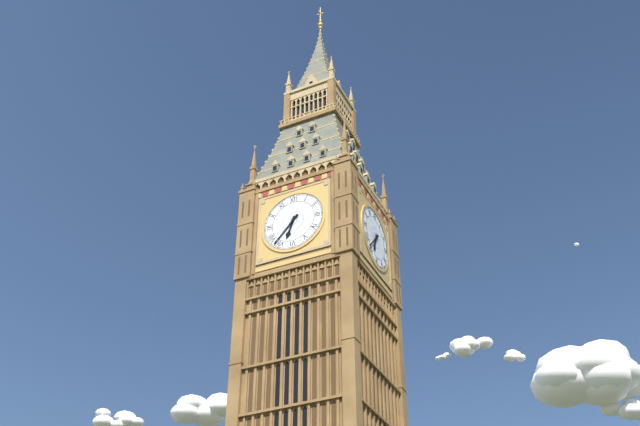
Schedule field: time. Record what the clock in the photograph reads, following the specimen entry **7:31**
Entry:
**6:37**
